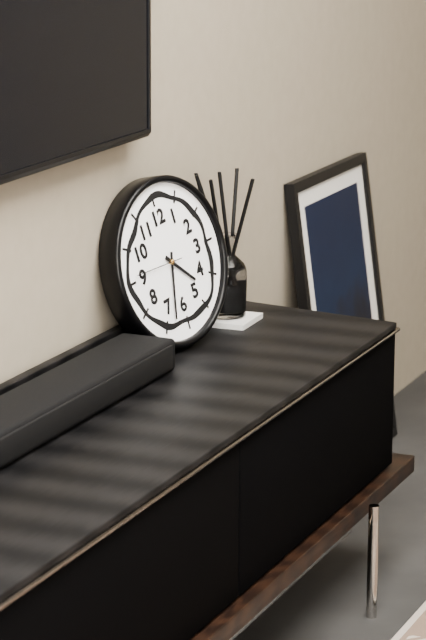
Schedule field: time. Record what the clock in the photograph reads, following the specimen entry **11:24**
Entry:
**4:33**
